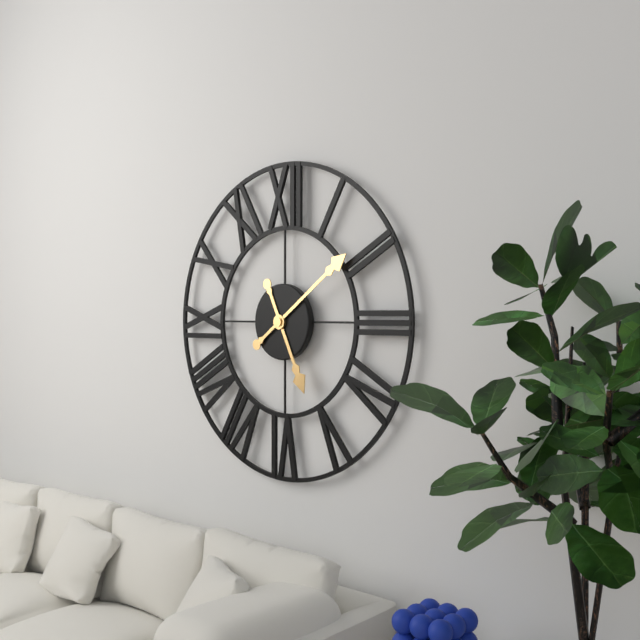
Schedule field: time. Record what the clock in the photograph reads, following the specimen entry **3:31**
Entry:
**5:09**
